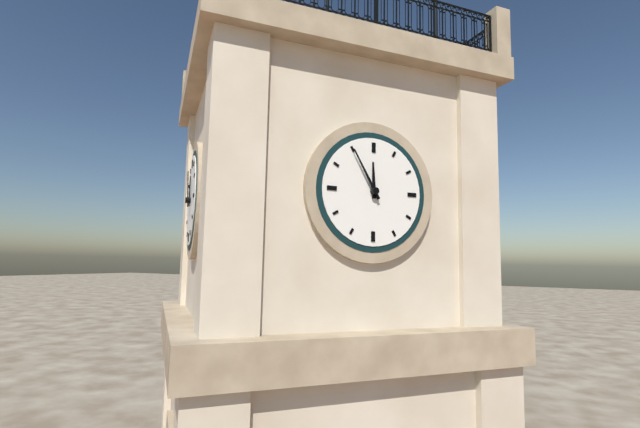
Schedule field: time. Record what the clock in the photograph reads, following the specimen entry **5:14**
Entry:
**11:55**
